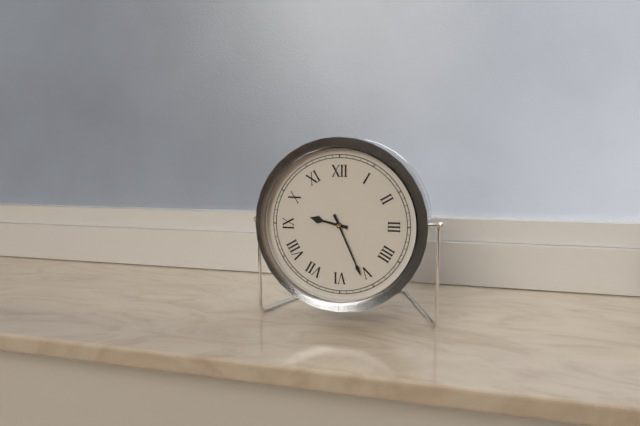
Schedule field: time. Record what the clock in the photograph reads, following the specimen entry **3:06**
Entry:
**9:26**
